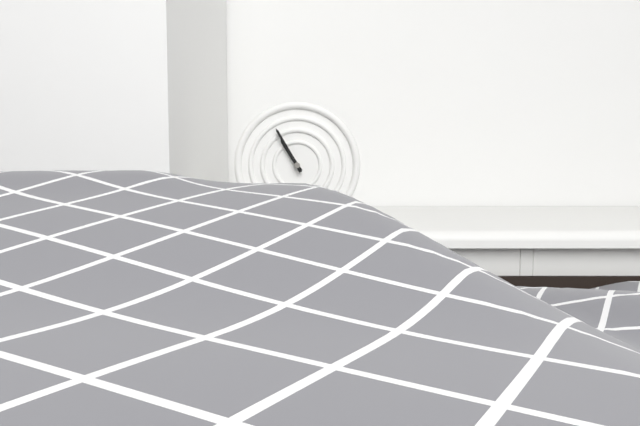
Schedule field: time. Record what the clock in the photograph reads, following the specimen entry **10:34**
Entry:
**10:55**
